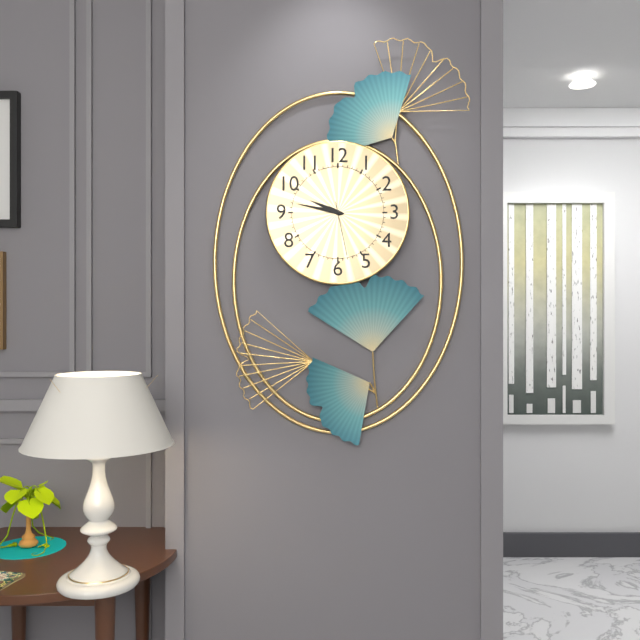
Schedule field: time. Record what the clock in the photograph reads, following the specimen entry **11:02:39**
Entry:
**9:47:28**
